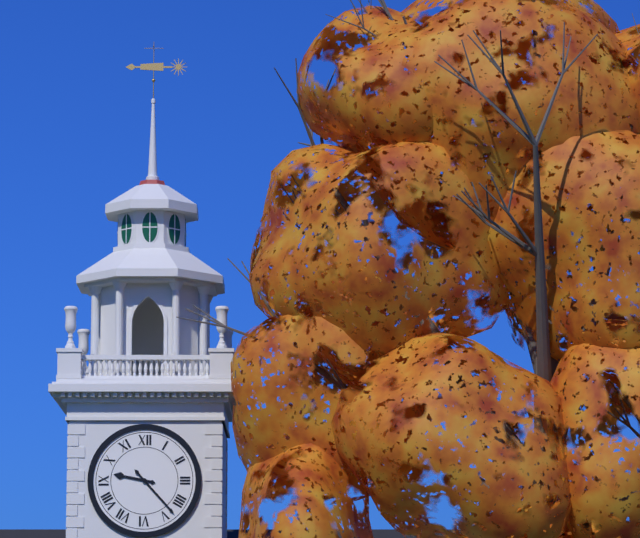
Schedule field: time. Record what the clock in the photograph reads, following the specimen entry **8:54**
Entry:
**9:23**
